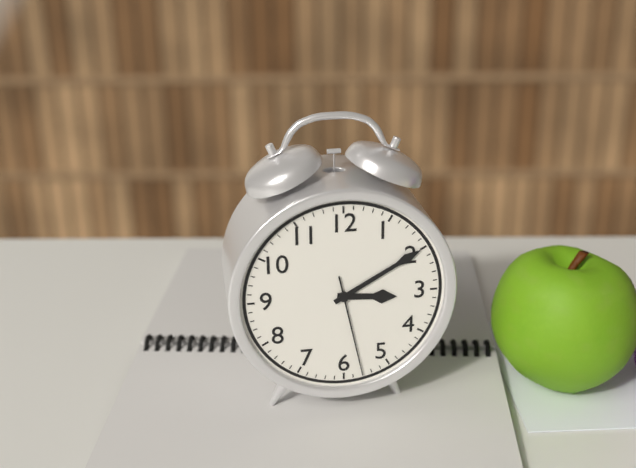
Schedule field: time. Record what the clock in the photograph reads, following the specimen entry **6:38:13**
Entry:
**3:10:28**
